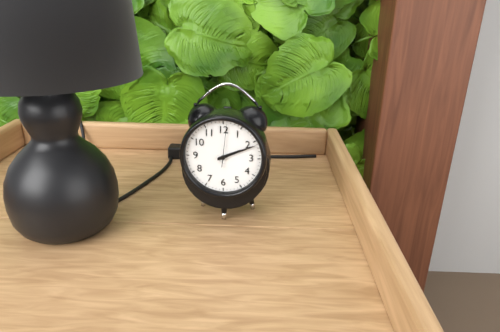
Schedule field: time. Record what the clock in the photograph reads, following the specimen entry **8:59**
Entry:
**2:11**
